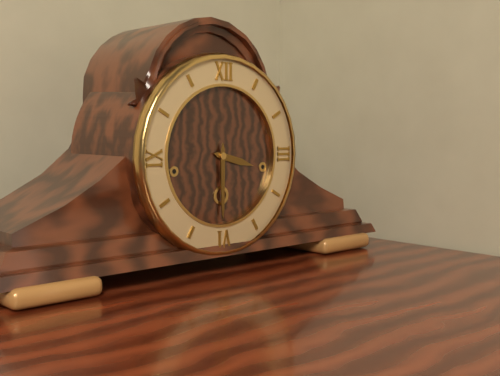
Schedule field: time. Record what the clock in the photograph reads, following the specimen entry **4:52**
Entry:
**3:30**
